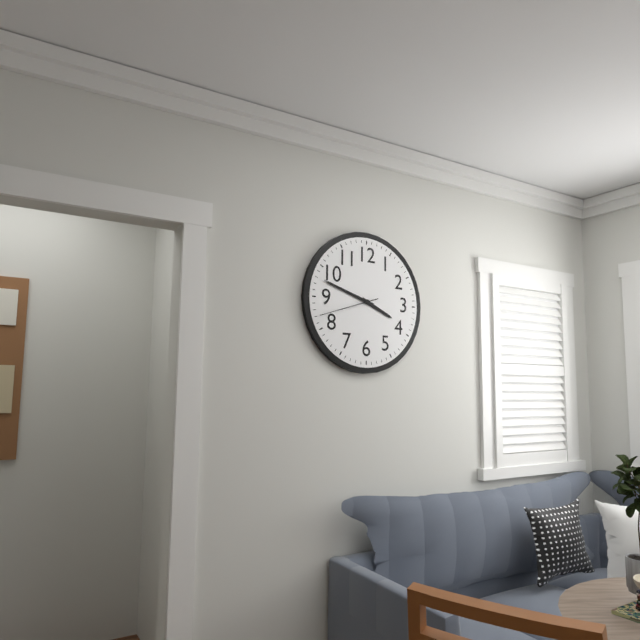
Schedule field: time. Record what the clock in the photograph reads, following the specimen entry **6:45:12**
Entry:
**3:48:42**
